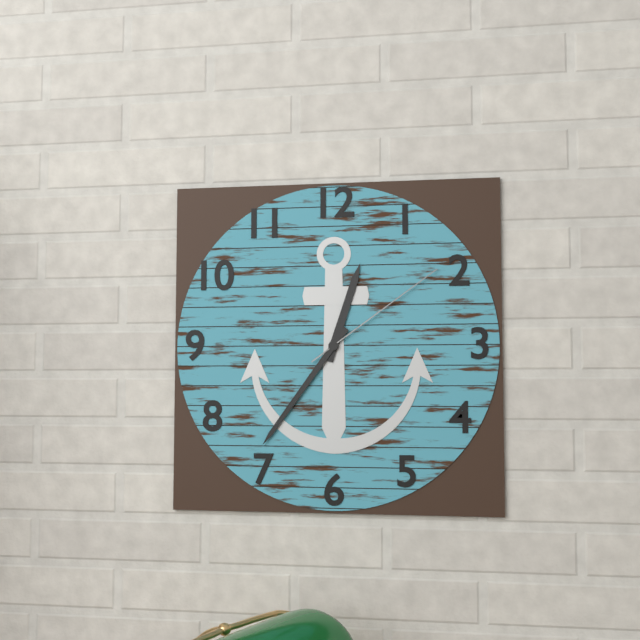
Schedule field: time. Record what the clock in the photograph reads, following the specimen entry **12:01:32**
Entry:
**12:36:09**
